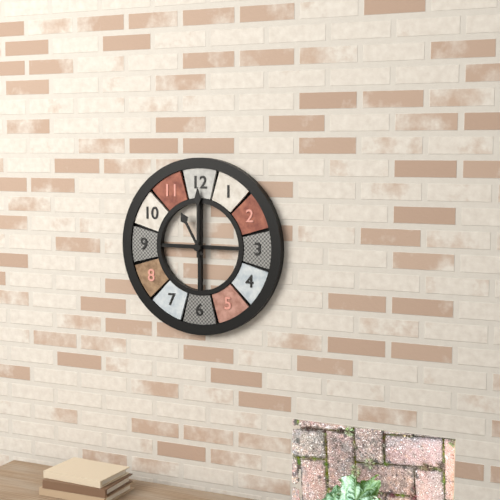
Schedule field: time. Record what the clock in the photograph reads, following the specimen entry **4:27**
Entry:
**11:00**
